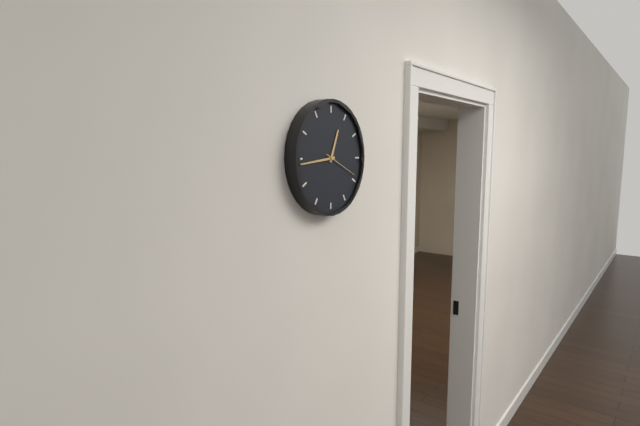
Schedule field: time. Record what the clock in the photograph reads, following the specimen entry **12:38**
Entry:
**12:44**
